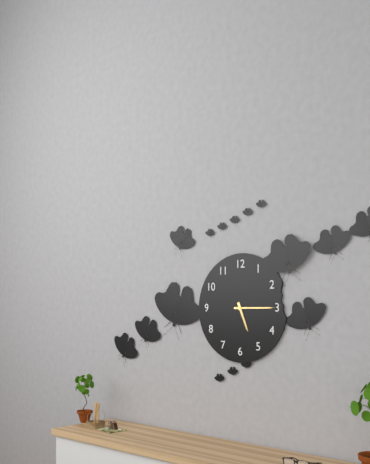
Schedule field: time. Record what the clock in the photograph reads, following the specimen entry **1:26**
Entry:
**5:15**
